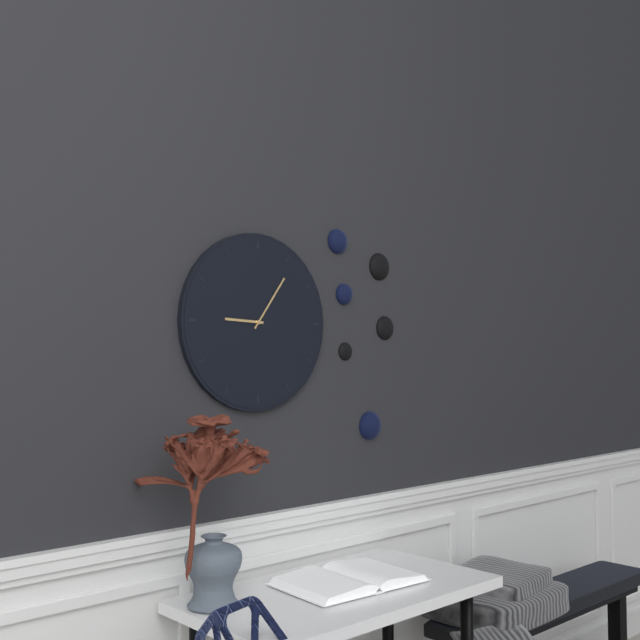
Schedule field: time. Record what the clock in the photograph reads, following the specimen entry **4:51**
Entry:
**9:06**
